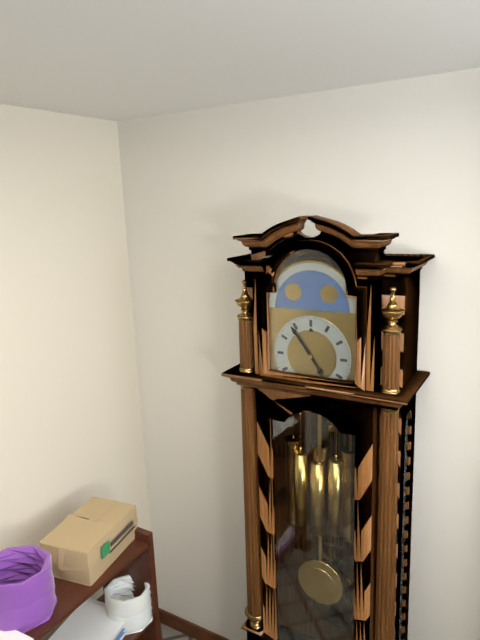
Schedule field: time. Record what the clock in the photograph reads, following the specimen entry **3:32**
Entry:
**4:54**
